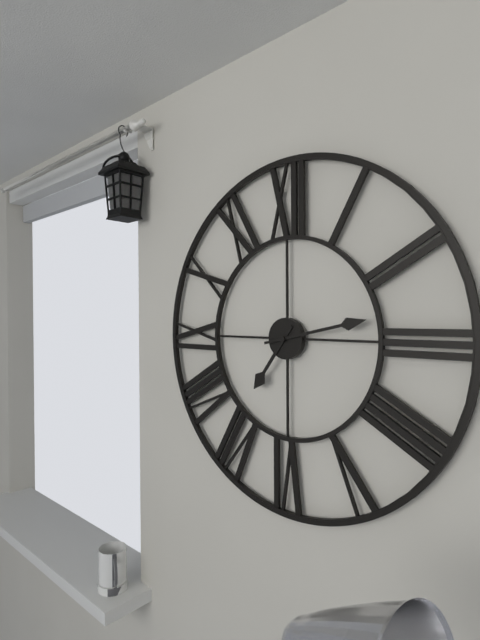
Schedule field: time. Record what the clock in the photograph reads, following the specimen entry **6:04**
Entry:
**7:13**
